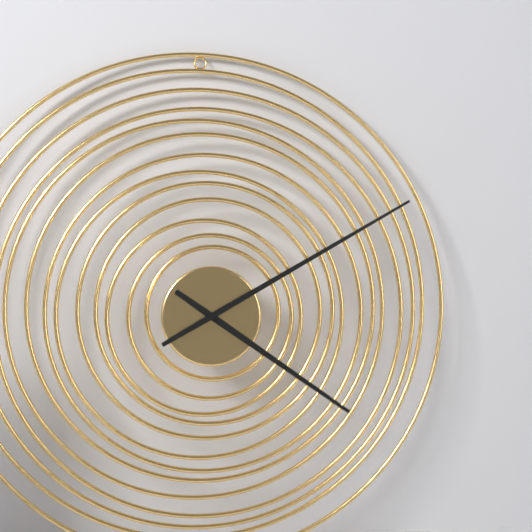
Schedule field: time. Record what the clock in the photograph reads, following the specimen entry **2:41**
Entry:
**4:10**
